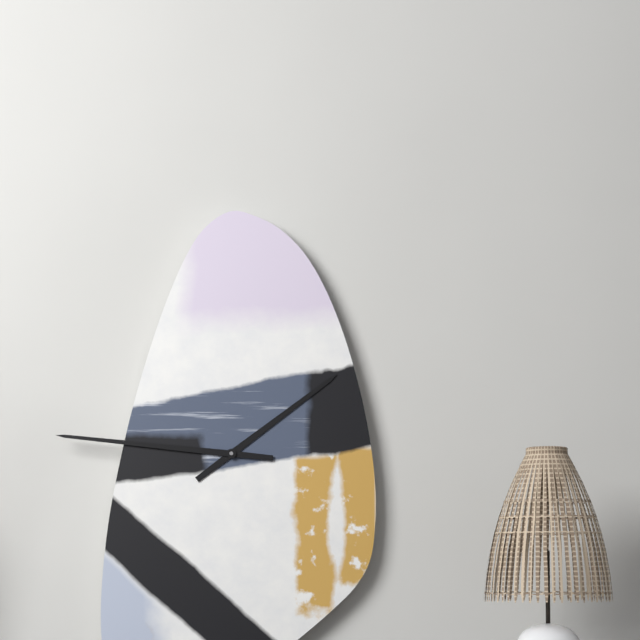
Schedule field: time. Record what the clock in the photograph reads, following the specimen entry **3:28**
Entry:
**1:46**
